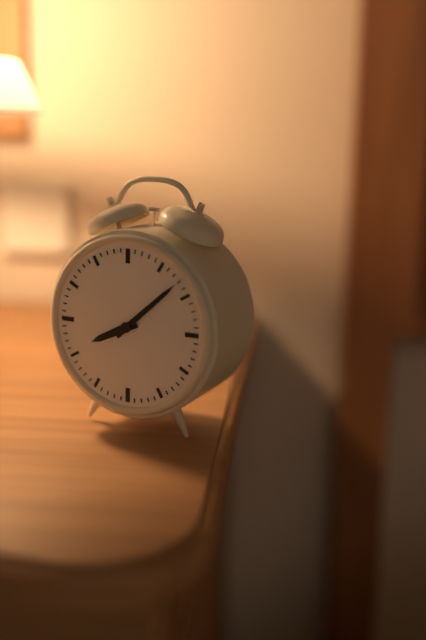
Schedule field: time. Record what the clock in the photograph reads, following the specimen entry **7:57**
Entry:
**8:08**
